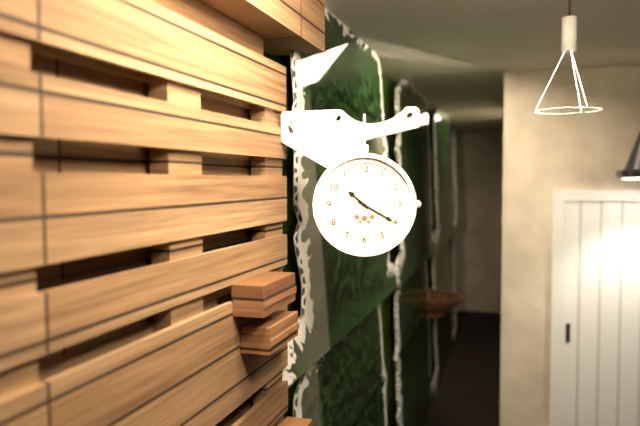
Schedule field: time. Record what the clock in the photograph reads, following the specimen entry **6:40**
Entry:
**10:20**
